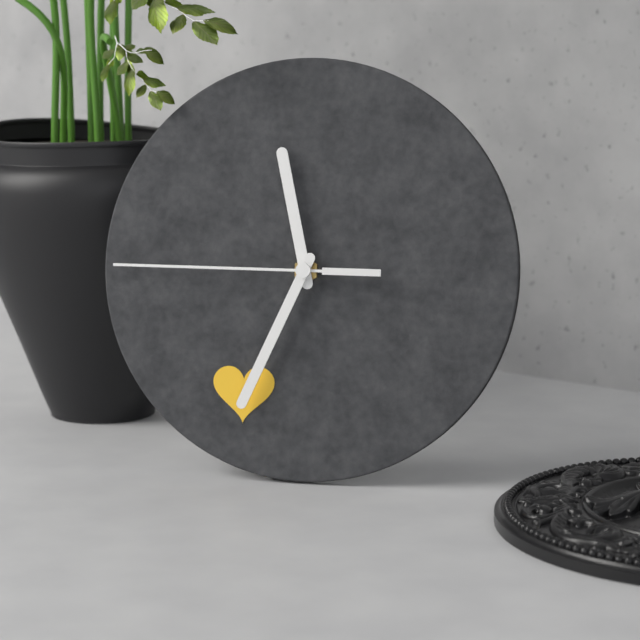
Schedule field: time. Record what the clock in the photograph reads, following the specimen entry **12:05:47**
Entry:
**11:34:45**
